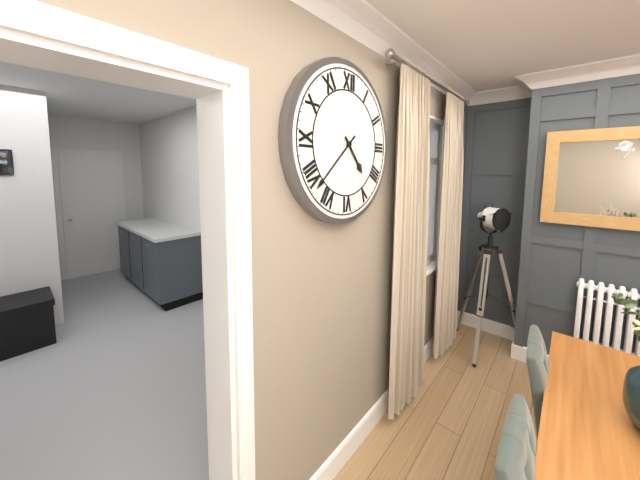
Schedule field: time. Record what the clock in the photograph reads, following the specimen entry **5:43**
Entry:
**4:38**
